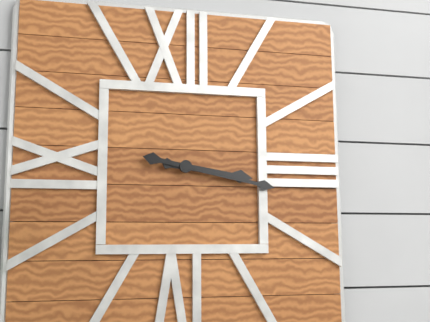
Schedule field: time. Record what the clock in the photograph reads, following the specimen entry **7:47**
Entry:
**3:17**
